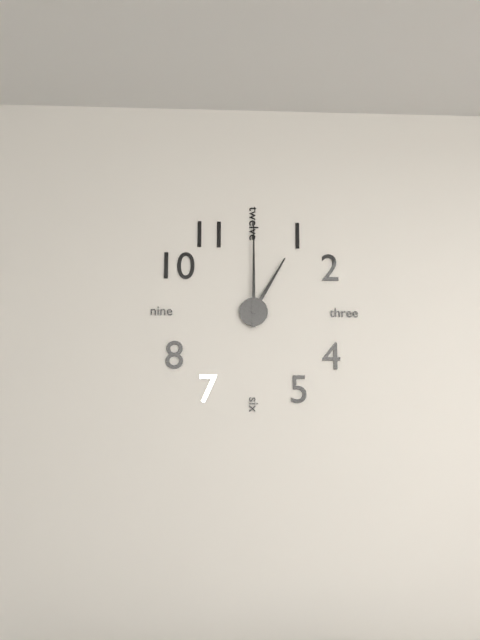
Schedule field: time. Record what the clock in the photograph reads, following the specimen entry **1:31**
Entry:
**1:00**
